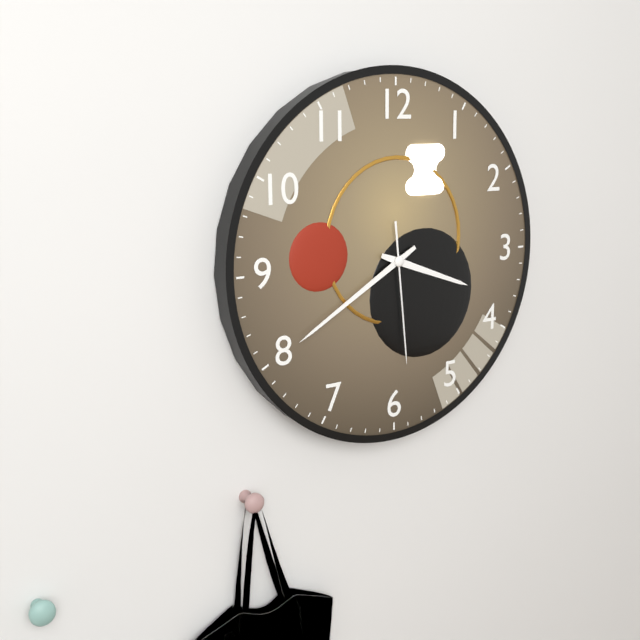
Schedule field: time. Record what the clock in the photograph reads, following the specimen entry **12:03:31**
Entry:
**3:40:29**
